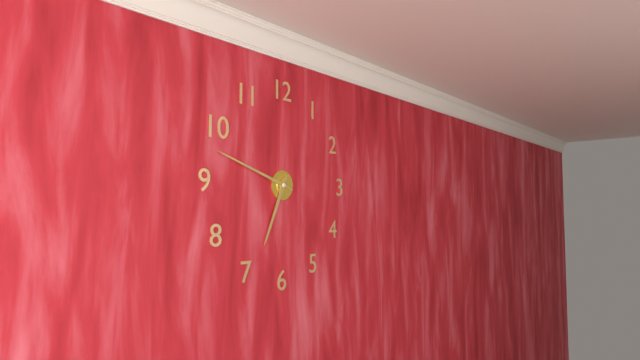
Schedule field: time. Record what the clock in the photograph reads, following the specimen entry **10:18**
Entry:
**6:48**
